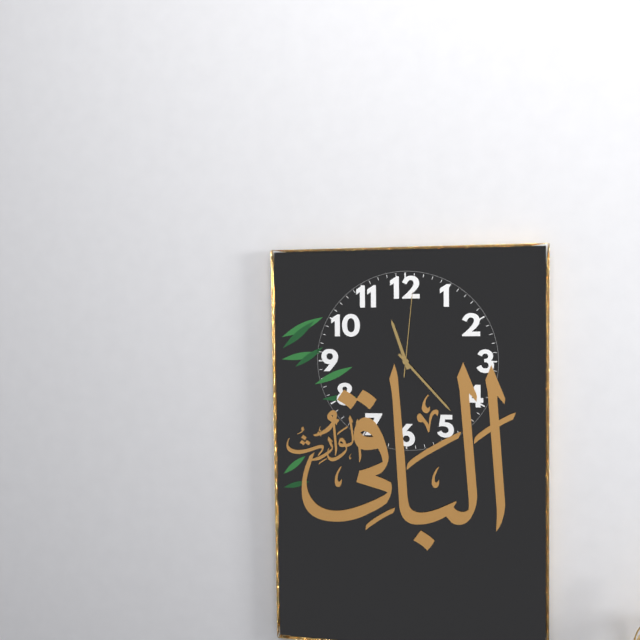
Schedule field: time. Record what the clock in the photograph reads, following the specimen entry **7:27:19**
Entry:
**11:23:01**
